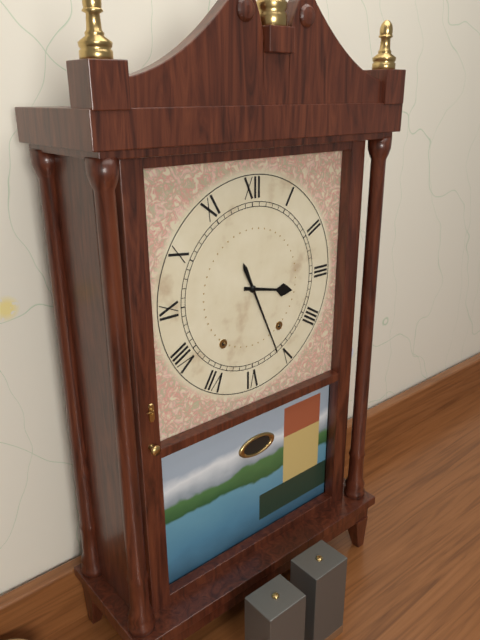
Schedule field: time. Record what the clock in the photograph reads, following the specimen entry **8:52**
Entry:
**3:26**
